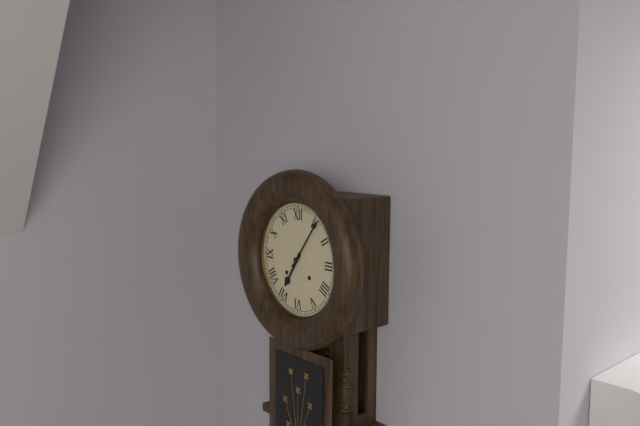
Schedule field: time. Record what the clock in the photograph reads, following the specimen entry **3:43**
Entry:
**7:06**
